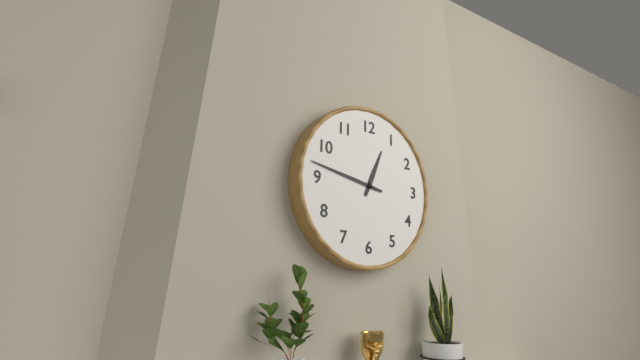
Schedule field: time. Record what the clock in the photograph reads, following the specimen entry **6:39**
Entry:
**12:47**
